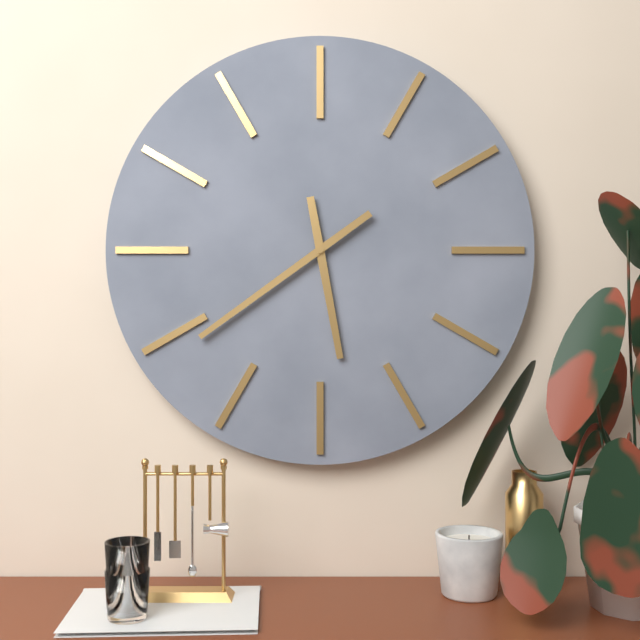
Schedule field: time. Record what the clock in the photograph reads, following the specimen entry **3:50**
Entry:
**5:39**
